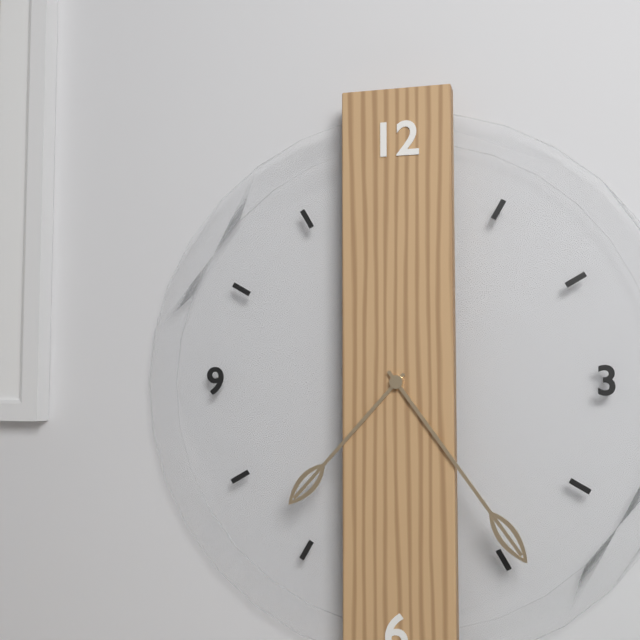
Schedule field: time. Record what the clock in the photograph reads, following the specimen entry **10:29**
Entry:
**7:24**
